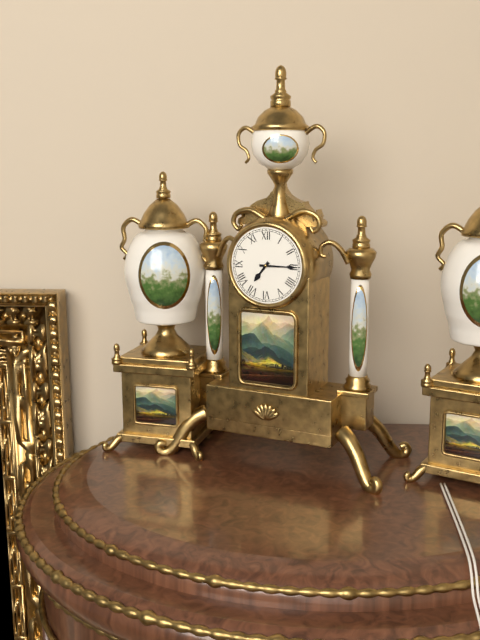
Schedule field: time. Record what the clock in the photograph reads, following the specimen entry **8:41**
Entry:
**7:15**
